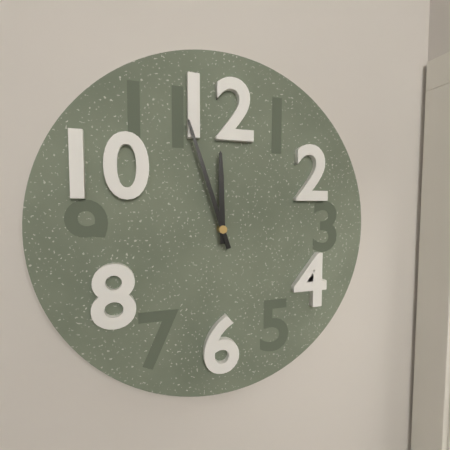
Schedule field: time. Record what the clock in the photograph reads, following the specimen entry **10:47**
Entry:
**11:57**
